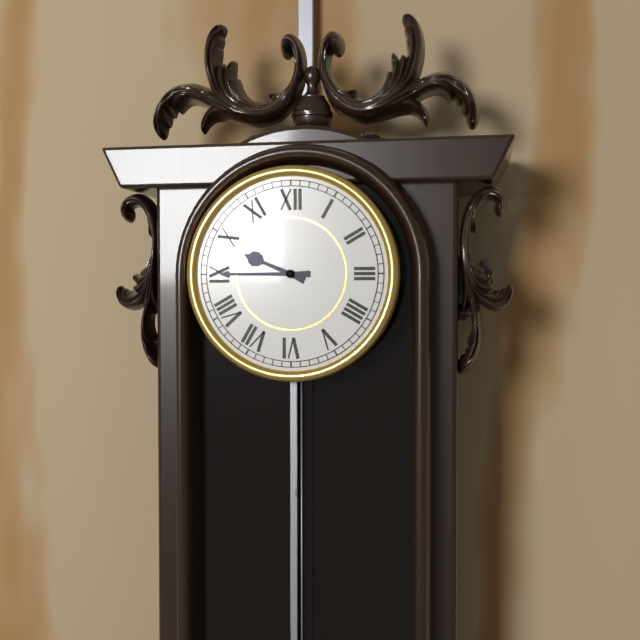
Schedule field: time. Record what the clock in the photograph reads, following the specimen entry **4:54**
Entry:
**9:45**
